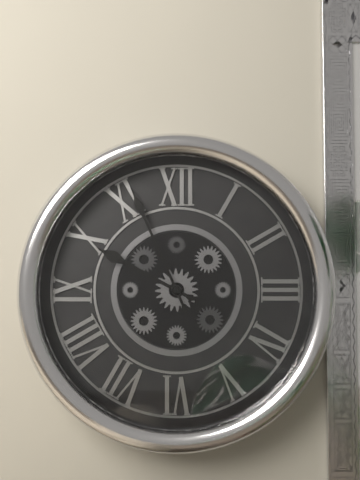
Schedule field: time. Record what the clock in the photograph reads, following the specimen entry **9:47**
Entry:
**9:56**
